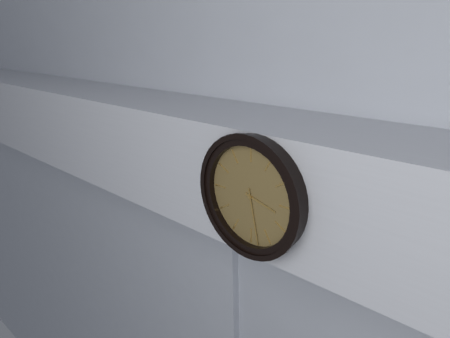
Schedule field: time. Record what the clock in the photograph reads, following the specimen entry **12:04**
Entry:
**3:28**
